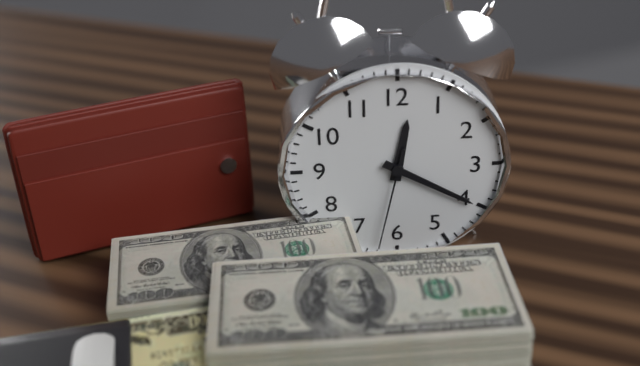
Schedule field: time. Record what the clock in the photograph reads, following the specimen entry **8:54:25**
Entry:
**12:20:32**
